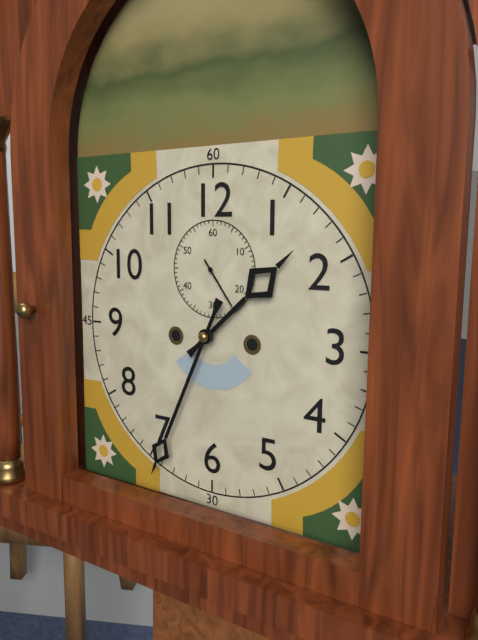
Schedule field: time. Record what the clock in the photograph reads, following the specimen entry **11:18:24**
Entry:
**1:34:24**
